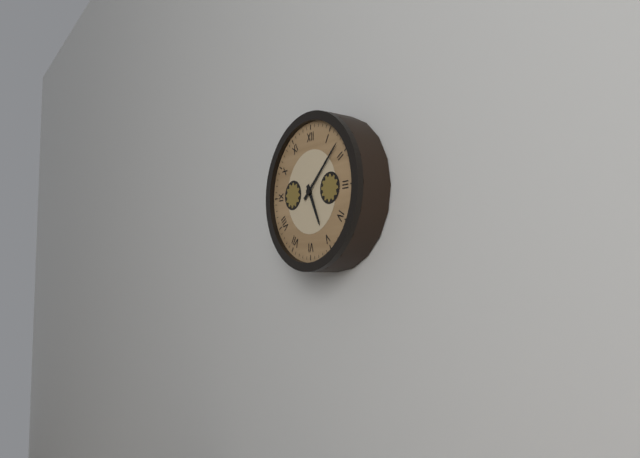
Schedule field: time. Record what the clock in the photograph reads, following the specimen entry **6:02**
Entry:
**5:08**
